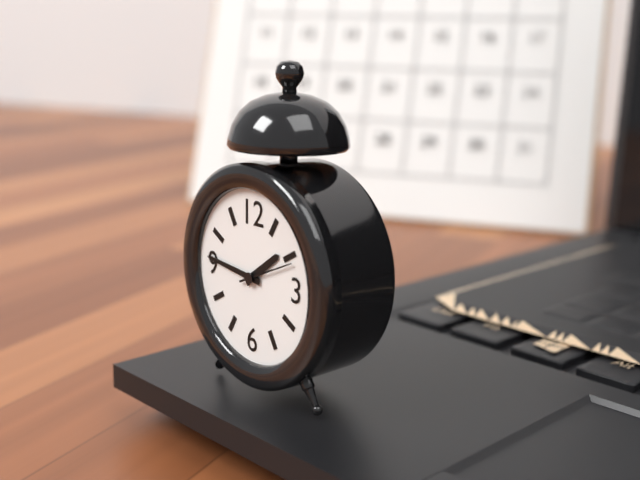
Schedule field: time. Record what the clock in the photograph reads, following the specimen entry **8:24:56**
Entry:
**1:46:11**
